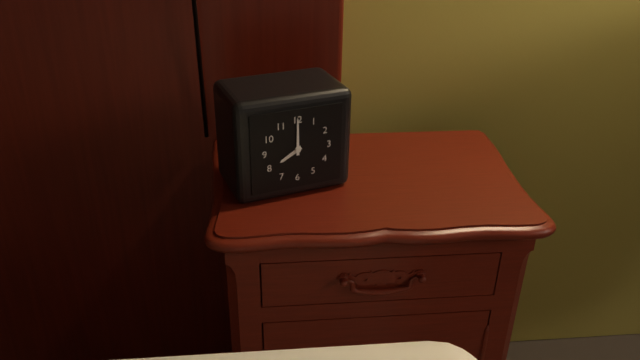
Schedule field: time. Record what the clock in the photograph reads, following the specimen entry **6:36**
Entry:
**8:00**
